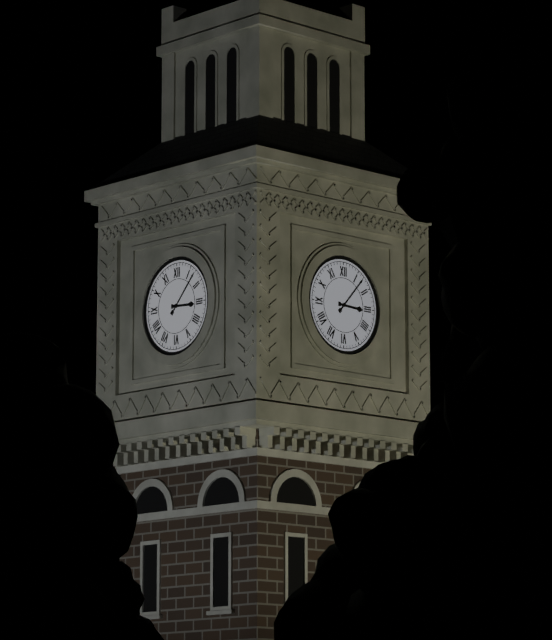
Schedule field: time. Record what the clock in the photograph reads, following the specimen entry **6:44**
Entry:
**3:07**
